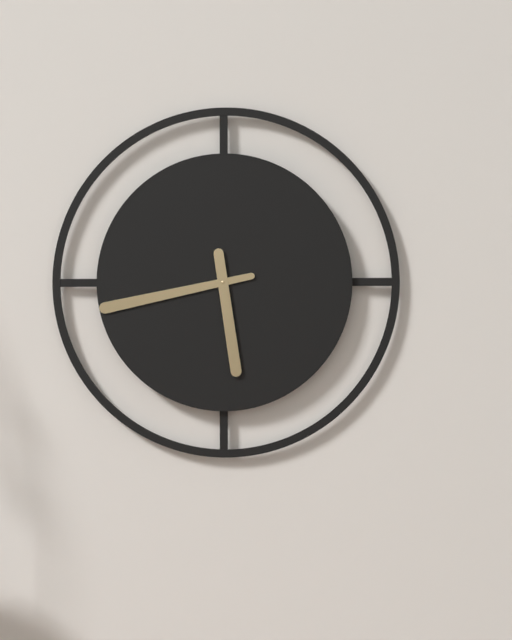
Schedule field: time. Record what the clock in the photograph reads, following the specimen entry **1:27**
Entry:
**5:43**
